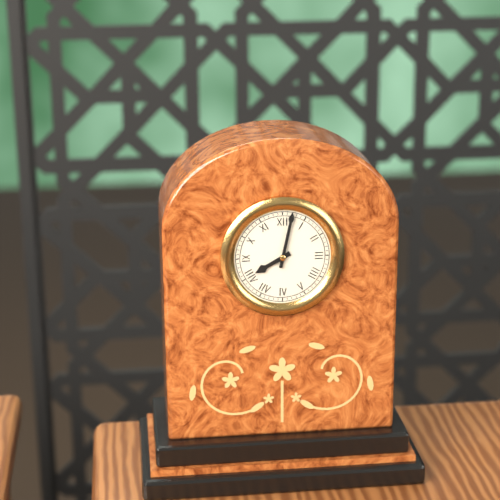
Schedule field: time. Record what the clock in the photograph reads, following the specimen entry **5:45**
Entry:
**8:02**
